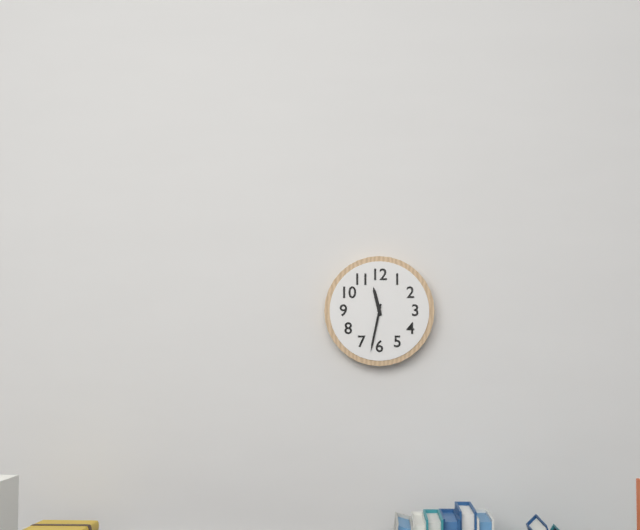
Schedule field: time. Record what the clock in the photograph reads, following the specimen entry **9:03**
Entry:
**11:32**
